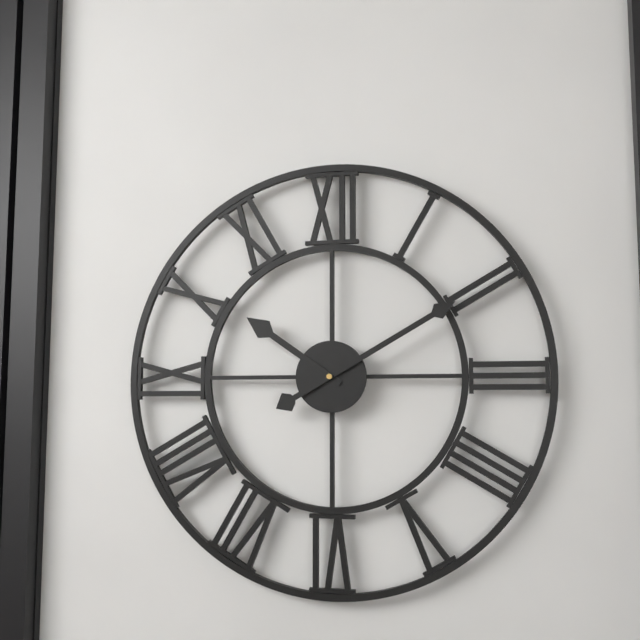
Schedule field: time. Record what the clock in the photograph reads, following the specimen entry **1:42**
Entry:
**10:10**
